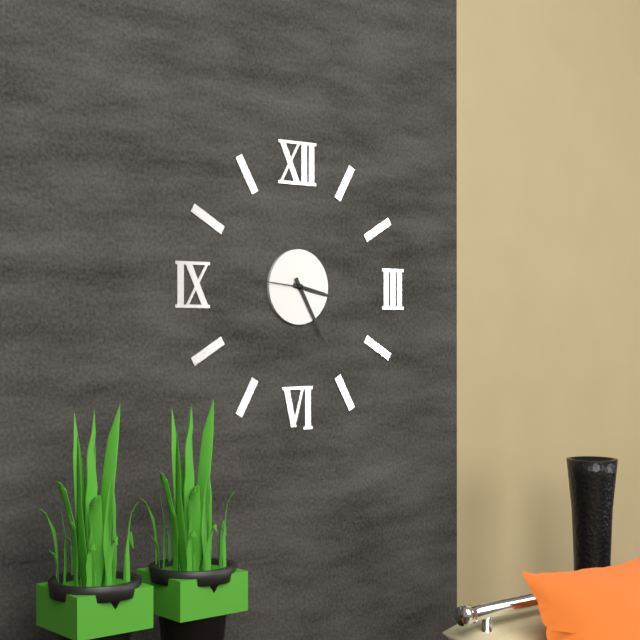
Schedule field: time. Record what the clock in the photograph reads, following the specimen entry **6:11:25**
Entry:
**3:25:46**
